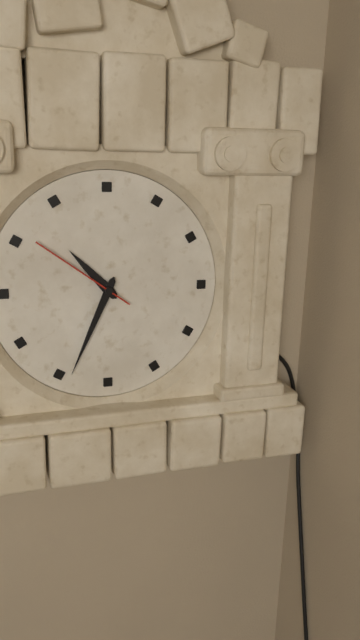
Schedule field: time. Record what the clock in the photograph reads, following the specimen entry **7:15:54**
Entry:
**10:34:51**
